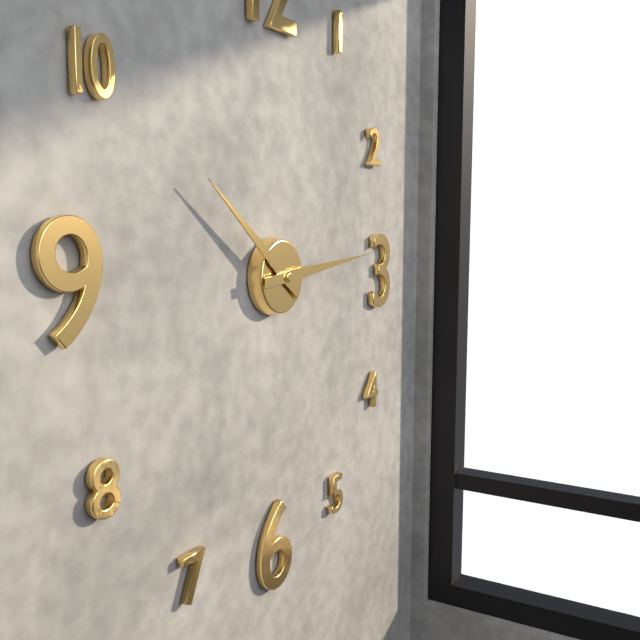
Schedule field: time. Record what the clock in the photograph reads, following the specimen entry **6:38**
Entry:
**10:14**
